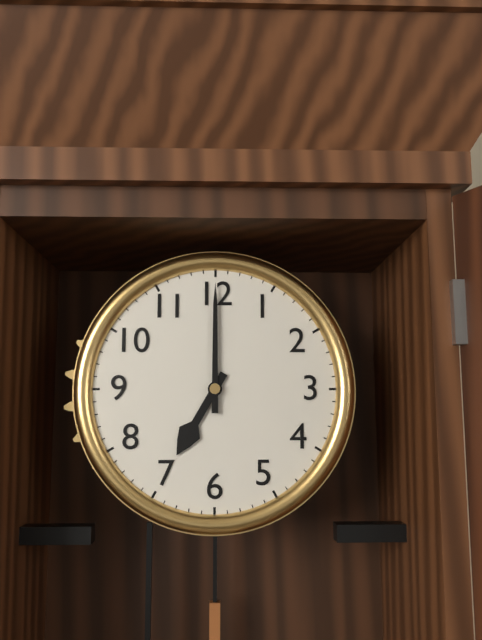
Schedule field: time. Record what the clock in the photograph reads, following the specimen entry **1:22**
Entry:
**7:00**
